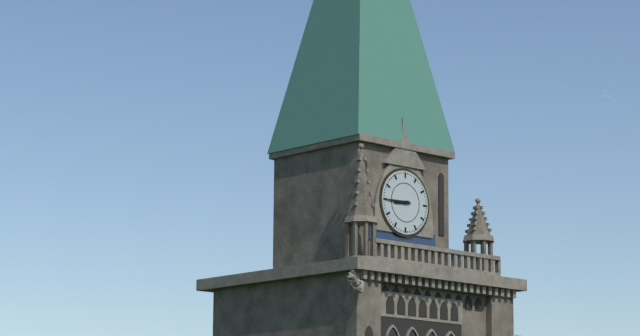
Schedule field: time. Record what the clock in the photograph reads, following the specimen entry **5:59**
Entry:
**8:45**
